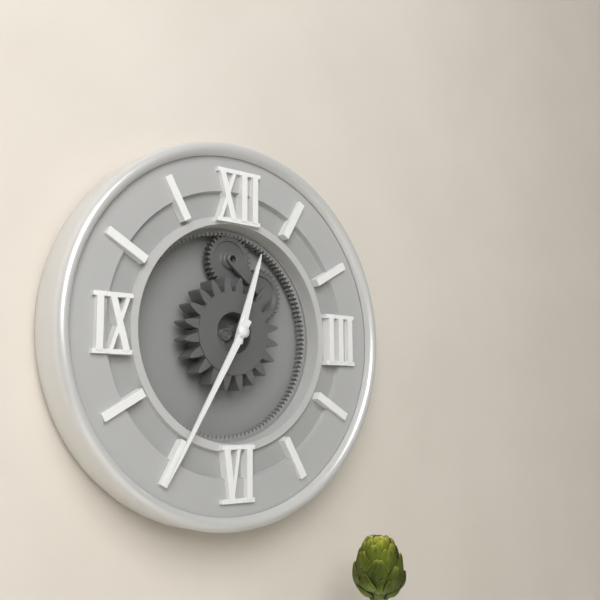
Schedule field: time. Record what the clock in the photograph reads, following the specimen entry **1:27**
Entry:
**12:35**
